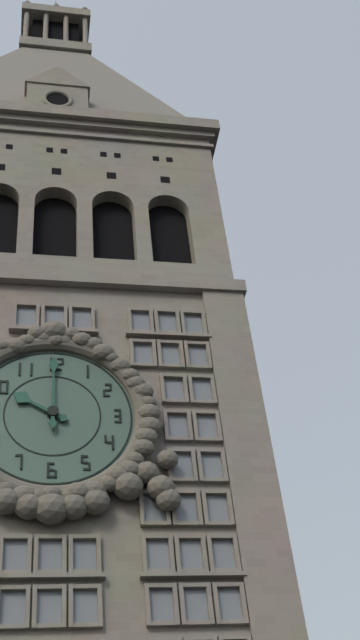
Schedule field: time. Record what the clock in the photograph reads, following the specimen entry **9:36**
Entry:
**10:00**
